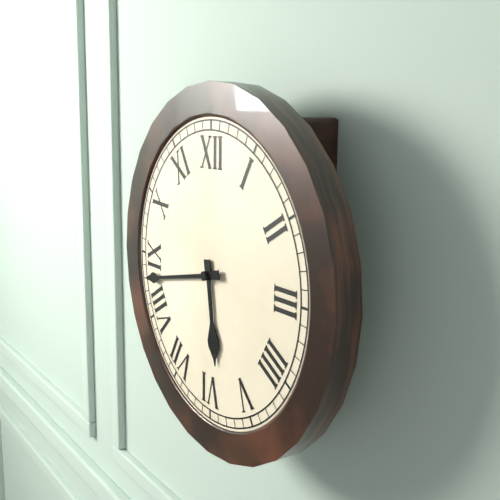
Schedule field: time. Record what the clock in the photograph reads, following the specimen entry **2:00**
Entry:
**5:43**
